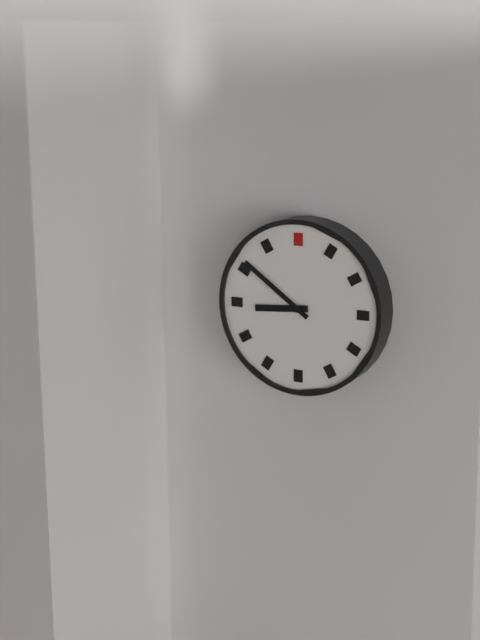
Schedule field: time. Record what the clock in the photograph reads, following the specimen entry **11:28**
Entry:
**8:51**
